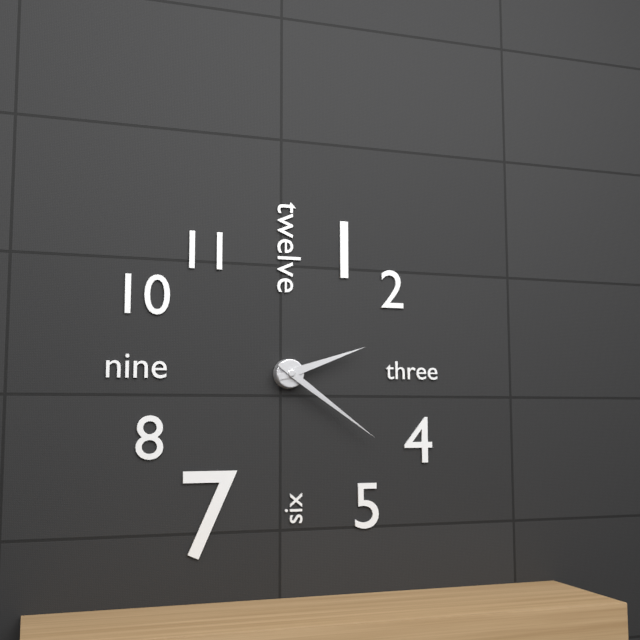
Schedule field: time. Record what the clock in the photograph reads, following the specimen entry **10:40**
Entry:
**2:21**
